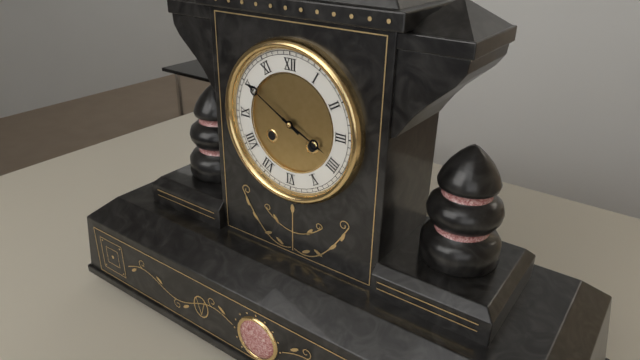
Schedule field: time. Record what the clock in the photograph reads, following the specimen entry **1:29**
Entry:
**3:50**
